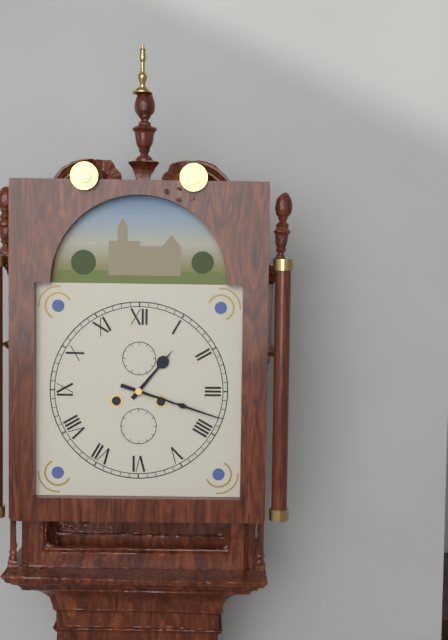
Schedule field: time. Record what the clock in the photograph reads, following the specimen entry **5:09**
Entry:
**1:18**
